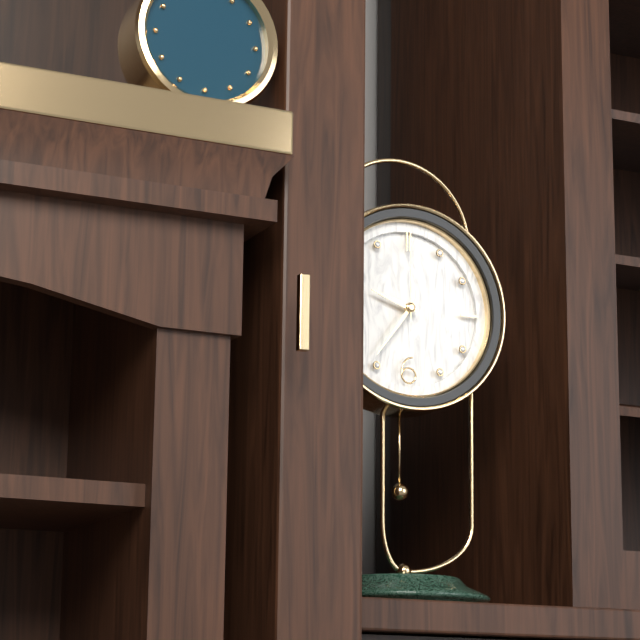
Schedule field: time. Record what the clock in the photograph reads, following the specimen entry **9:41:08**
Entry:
**9:36:00**
